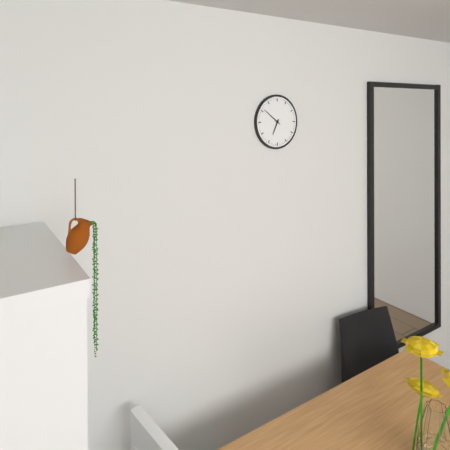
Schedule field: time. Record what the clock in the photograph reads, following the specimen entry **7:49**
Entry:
**6:51**
